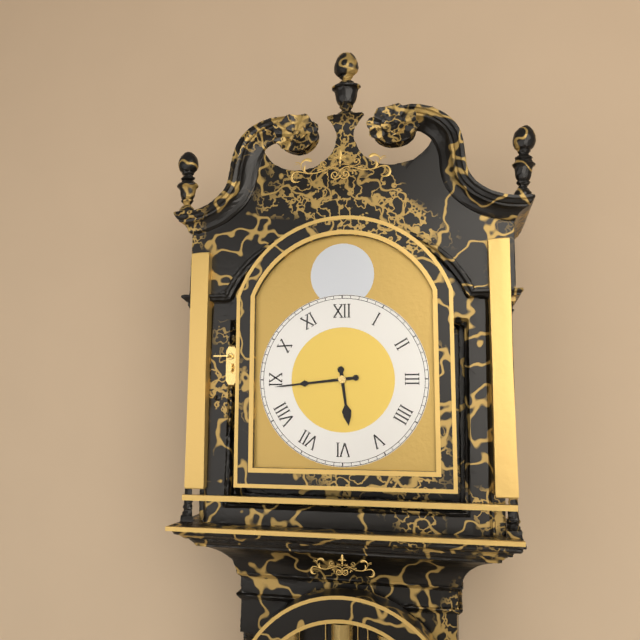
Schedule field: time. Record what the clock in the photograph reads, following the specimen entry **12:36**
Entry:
**5:44**
